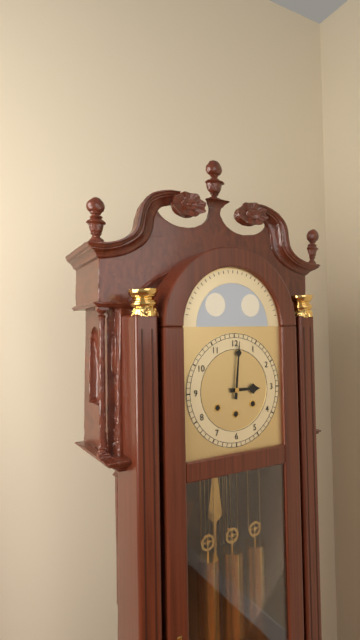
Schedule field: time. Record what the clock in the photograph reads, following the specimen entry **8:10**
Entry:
**3:01**
